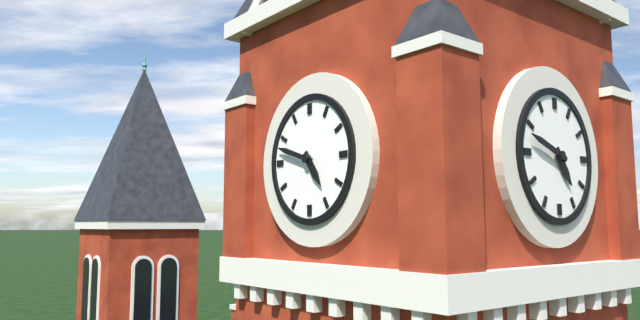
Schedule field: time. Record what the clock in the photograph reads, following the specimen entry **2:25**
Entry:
**4:48**
